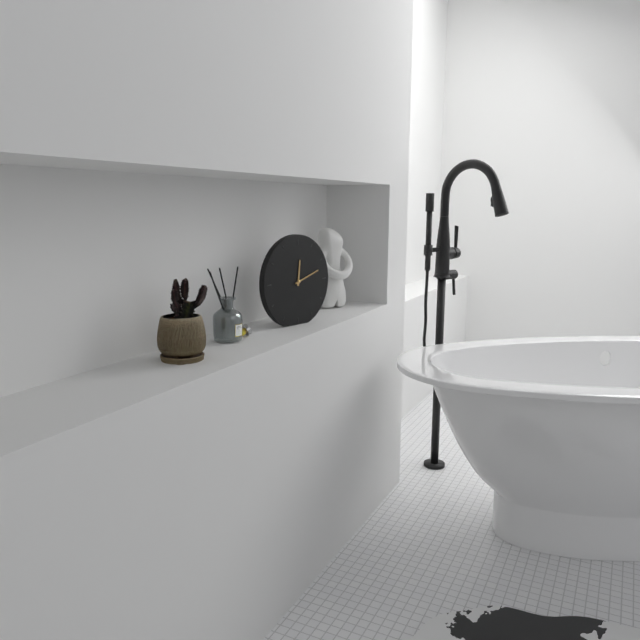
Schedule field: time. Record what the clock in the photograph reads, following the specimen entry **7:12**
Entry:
**12:12**
